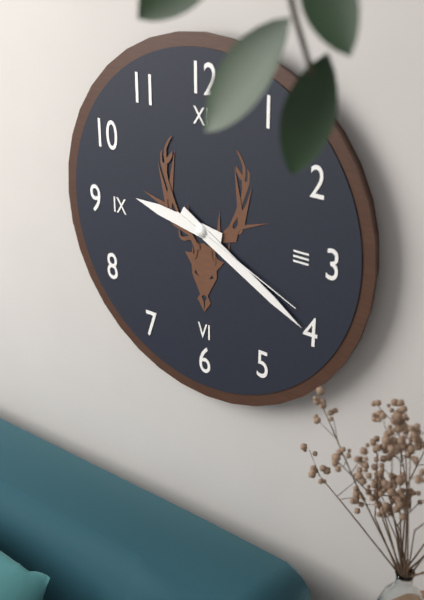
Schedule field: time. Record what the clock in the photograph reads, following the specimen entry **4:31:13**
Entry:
**9:20:19**
